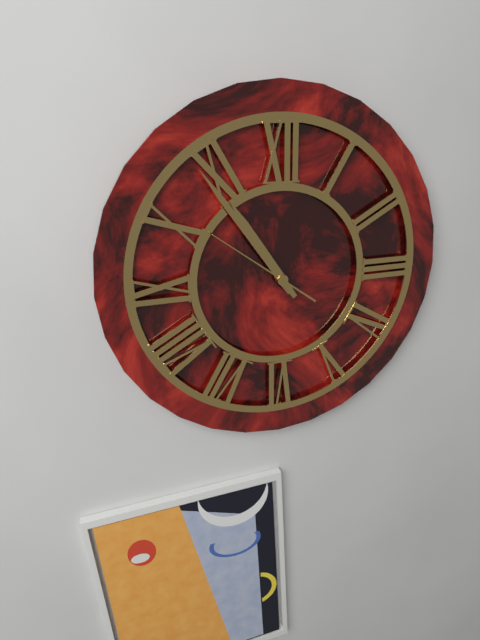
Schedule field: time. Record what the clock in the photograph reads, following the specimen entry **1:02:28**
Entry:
**10:54:51**
